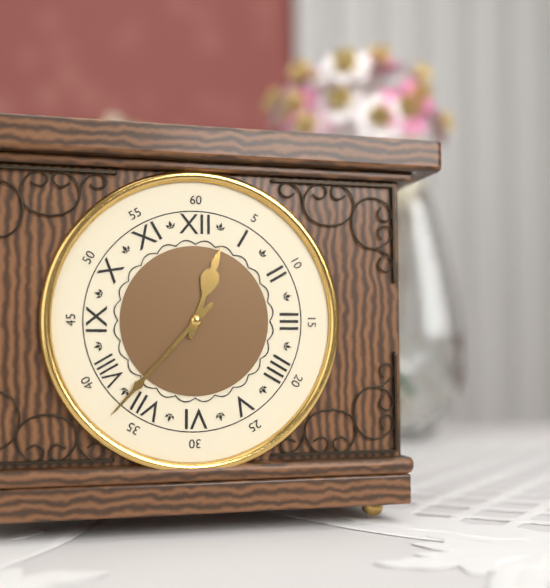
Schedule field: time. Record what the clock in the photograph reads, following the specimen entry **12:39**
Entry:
**12:37**
